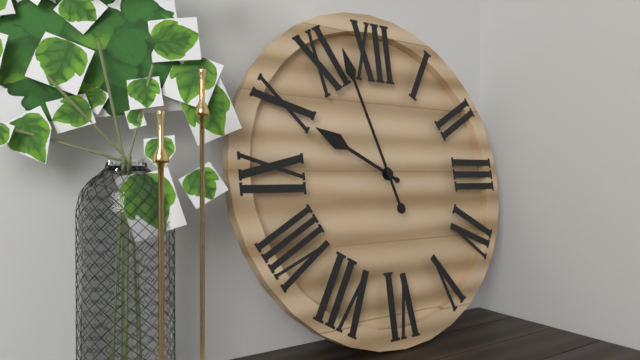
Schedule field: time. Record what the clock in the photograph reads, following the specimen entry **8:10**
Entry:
**9:57**
